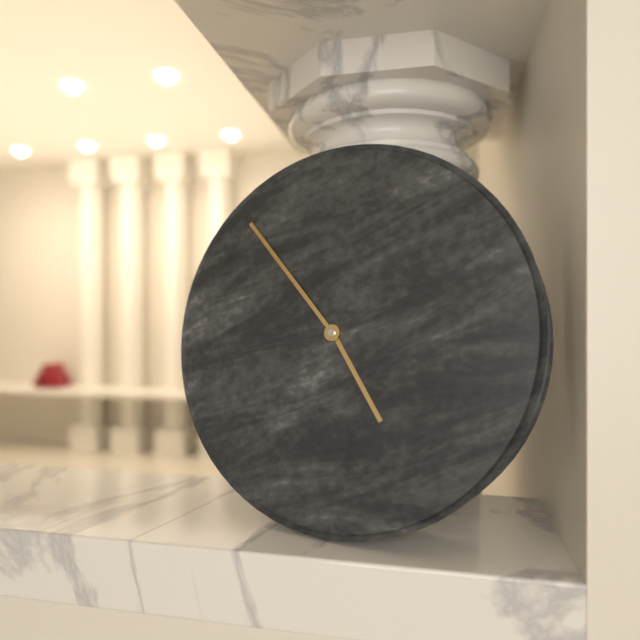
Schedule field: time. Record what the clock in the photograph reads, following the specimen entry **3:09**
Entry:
**4:53**
